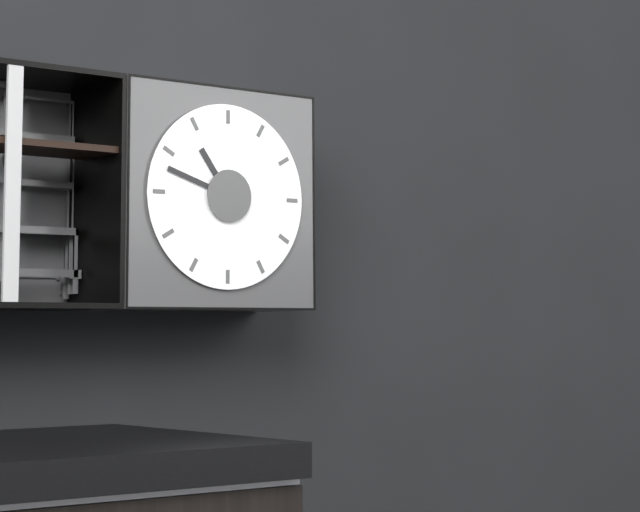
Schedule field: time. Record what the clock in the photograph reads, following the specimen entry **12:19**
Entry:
**10:48**
